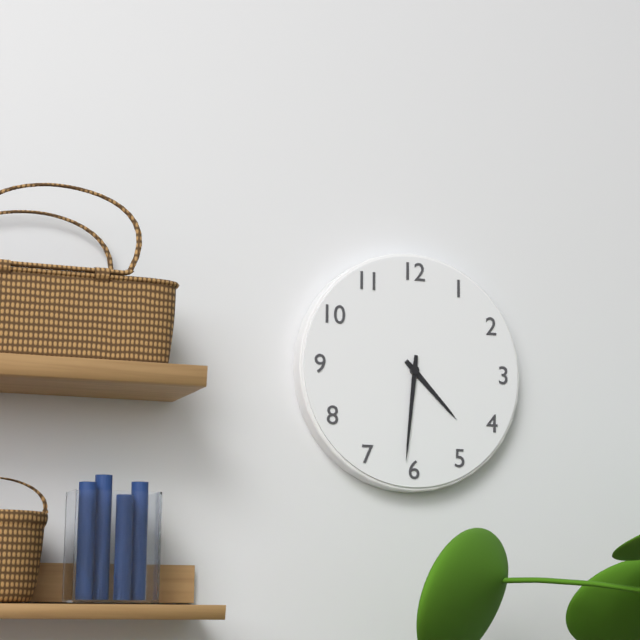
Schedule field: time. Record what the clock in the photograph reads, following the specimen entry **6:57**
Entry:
**4:31**
